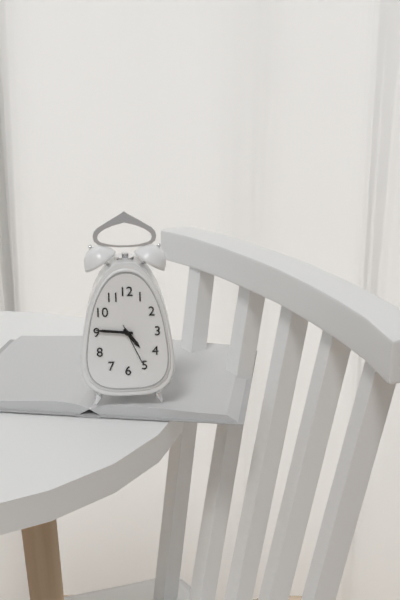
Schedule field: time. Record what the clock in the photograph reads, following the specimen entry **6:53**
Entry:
**4:46**
